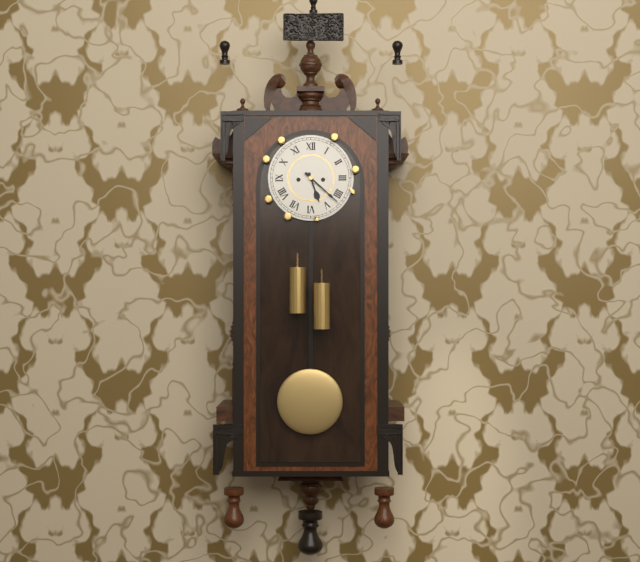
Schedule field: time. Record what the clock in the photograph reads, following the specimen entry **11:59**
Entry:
**5:22**
